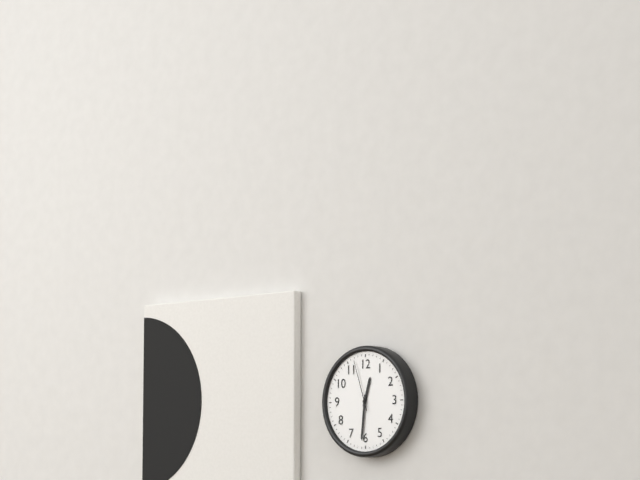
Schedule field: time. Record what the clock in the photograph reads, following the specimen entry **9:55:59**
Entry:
**12:31:57**
